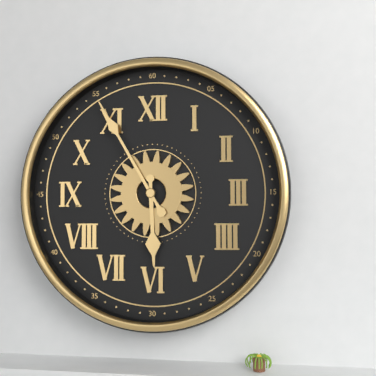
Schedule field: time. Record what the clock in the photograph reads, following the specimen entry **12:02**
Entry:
**5:55**
